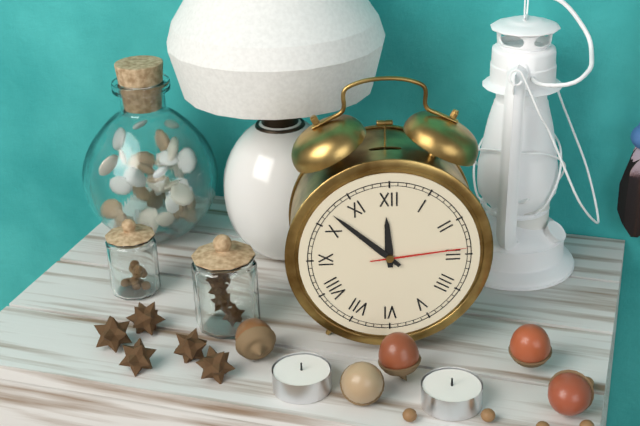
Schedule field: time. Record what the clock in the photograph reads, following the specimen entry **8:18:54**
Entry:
**11:52:14**
